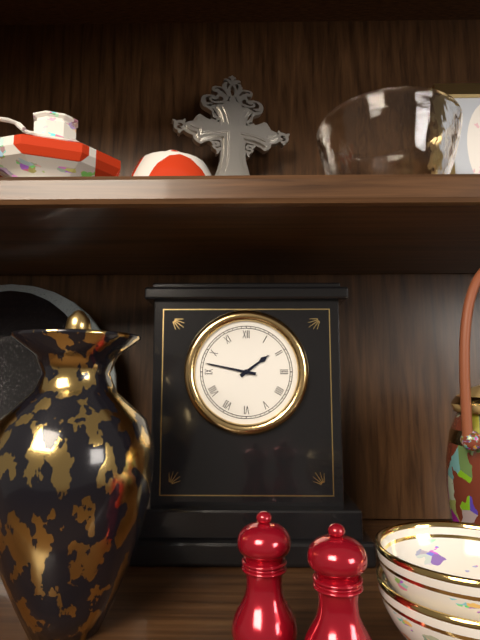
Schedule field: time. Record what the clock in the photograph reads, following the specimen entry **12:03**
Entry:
**1:47**
